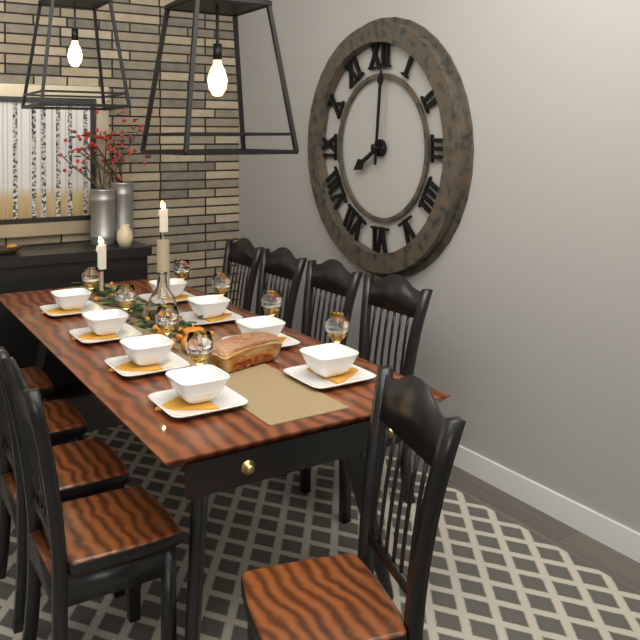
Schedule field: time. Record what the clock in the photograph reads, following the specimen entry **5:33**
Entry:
**8:01**
